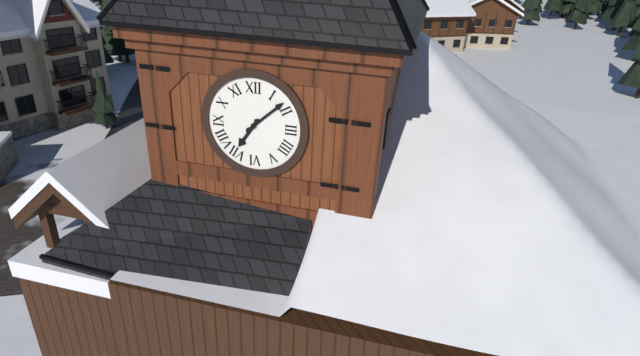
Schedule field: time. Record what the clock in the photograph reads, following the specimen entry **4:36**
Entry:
**7:08**
